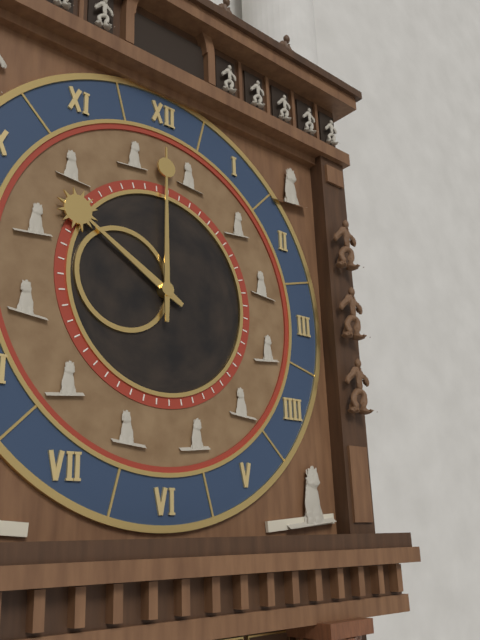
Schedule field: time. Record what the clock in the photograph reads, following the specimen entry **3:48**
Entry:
**10:00**
